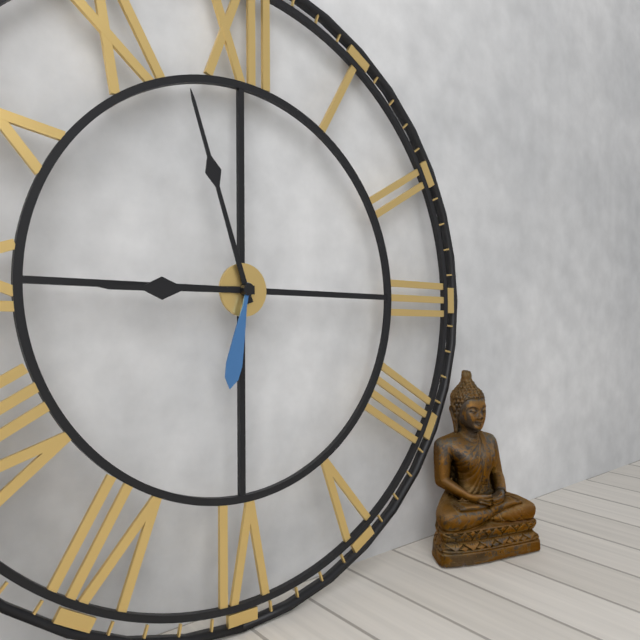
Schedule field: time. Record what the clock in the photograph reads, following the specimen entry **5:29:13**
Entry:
**8:57:32**
